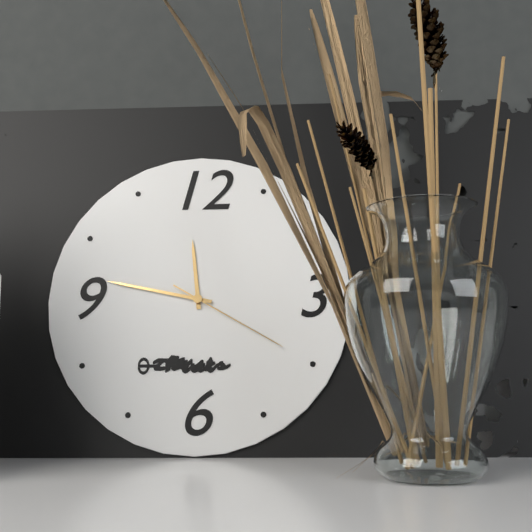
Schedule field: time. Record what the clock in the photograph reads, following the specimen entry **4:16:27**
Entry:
**11:47:20**
